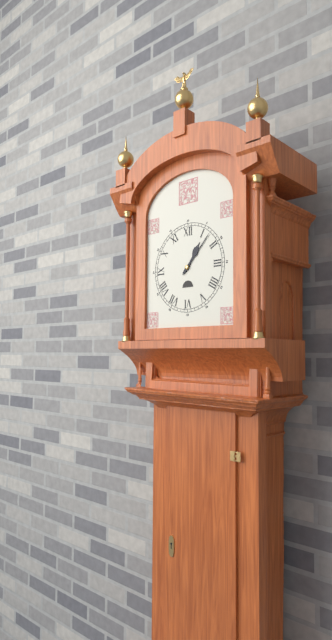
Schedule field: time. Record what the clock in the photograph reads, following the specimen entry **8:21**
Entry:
**1:07**
